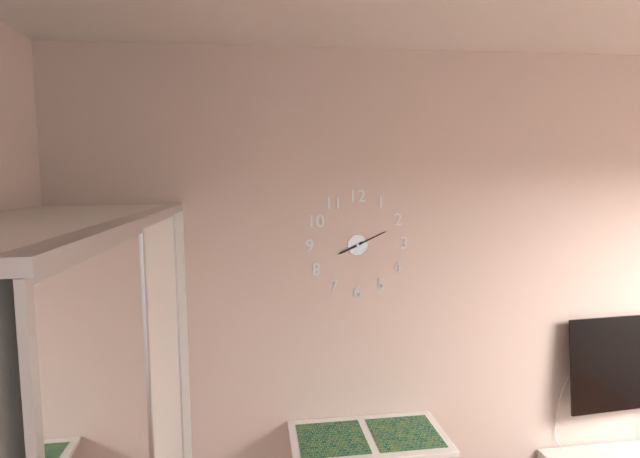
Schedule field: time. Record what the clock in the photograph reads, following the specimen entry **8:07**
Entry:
**8:11**
